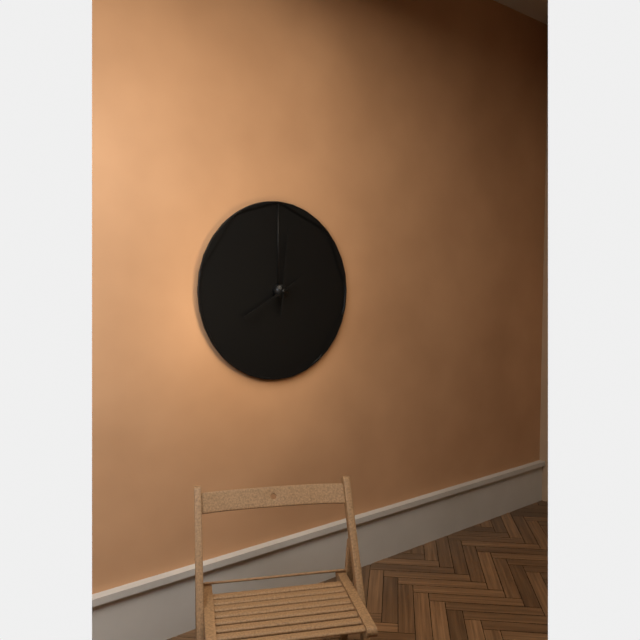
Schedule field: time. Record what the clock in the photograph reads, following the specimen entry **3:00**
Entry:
**8:01**
